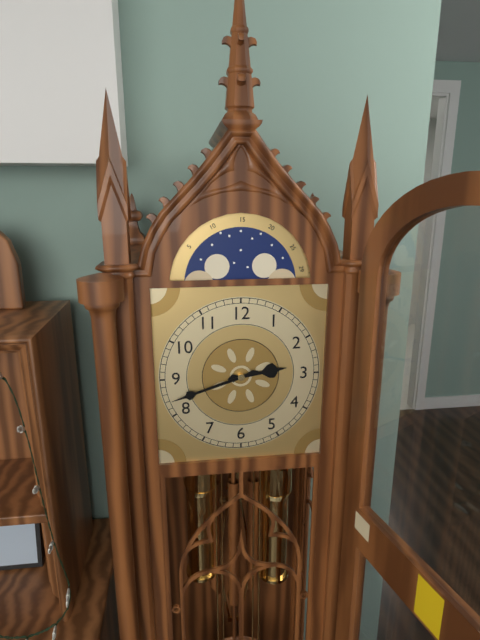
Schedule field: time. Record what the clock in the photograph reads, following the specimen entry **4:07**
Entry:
**2:42**
